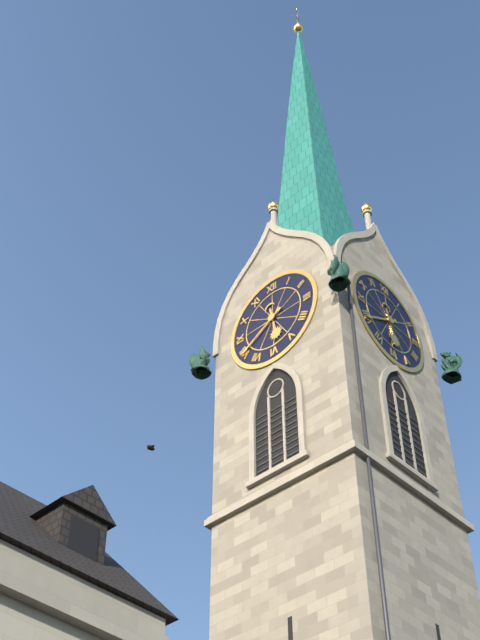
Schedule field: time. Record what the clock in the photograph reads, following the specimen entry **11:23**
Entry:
**5:40**
